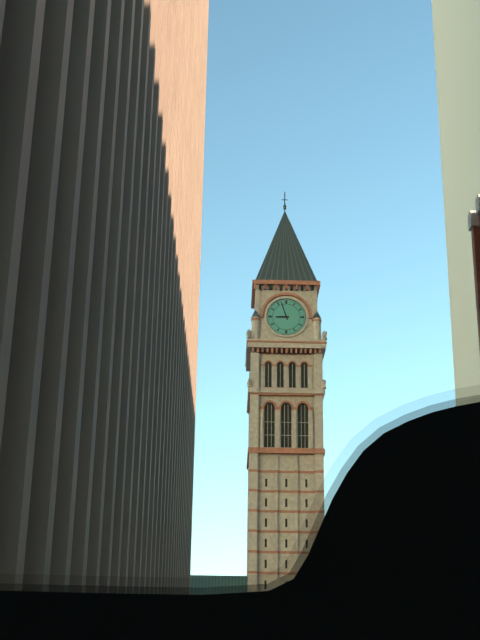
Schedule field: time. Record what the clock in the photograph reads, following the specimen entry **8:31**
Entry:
**8:57**
